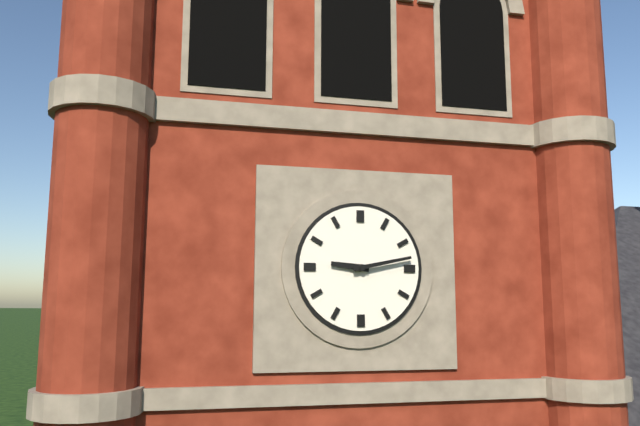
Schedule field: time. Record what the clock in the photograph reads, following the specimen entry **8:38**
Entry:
**9:13**
